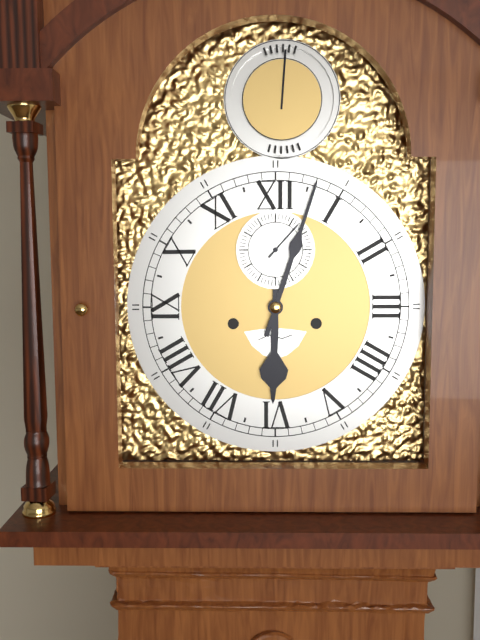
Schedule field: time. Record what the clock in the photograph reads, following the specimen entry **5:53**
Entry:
**6:03**
